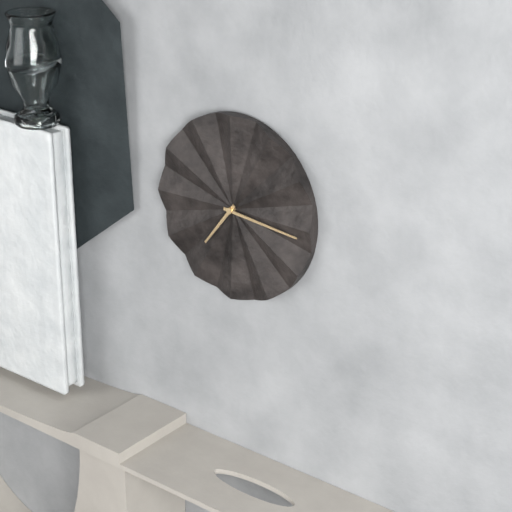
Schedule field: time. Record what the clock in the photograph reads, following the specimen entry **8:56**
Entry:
**7:16**
